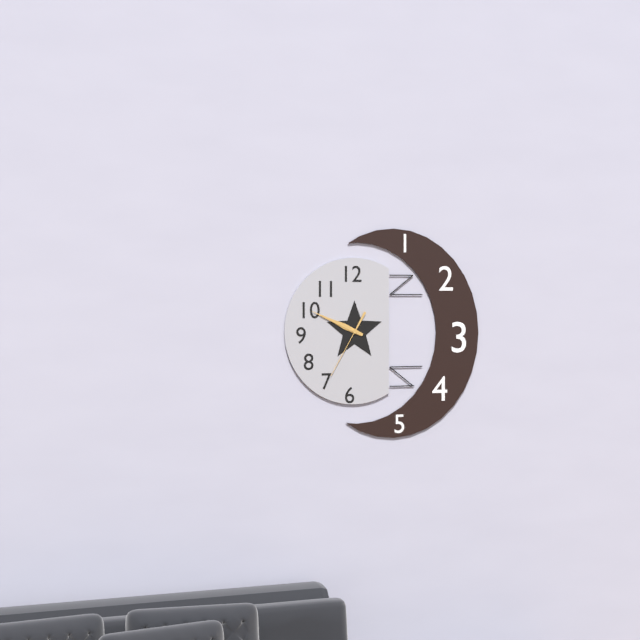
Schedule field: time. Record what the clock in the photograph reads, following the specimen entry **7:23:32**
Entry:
**9:49:35**
